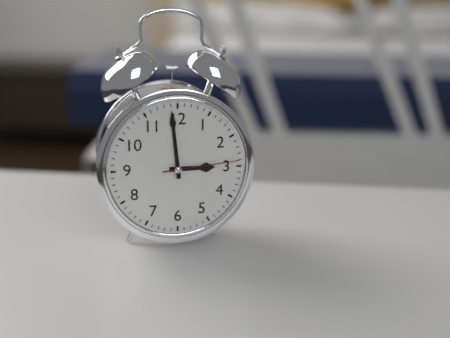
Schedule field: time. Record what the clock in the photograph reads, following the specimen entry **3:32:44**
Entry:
**2:59:14**
